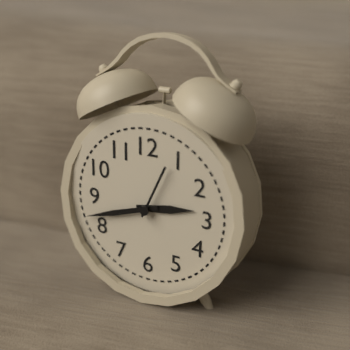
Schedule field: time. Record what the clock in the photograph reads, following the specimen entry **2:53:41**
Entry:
**2:42:04**
